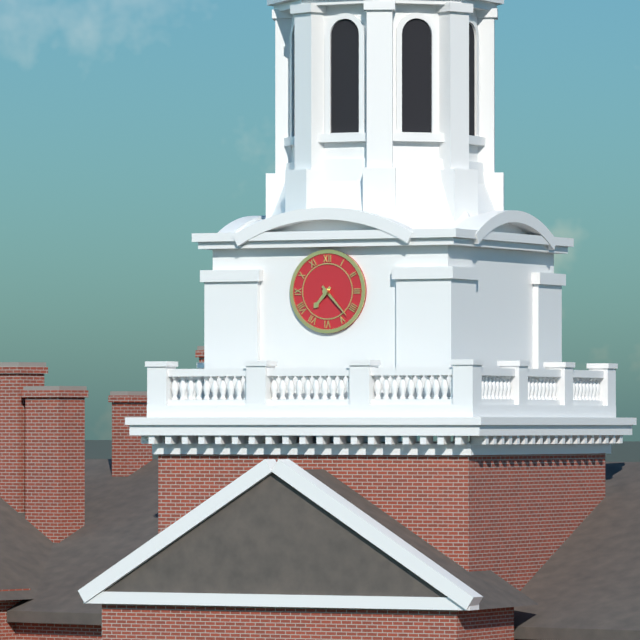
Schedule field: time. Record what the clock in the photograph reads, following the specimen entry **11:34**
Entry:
**7:23**
